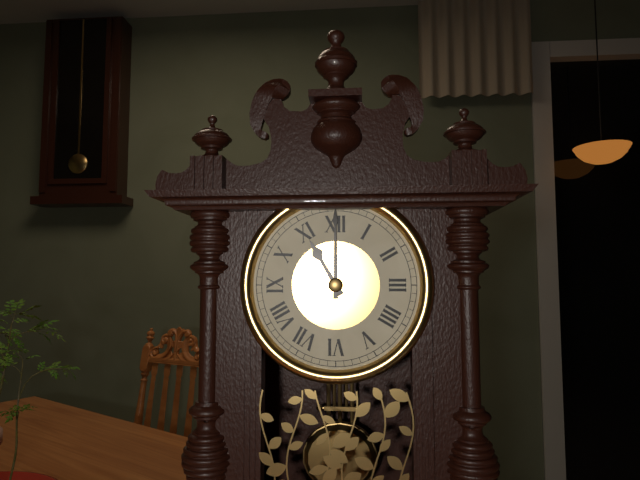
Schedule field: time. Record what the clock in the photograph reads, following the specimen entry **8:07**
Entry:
**11:00**
